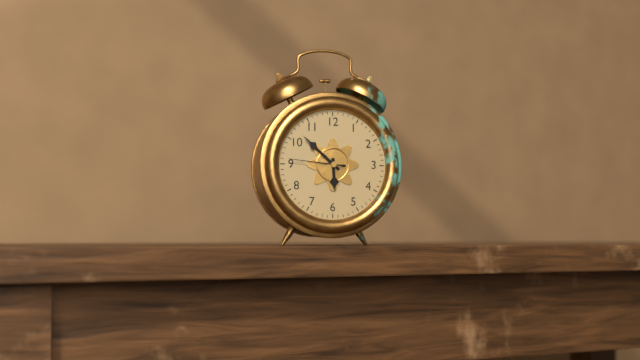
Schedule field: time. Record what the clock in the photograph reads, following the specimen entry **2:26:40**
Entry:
**5:52:46**
